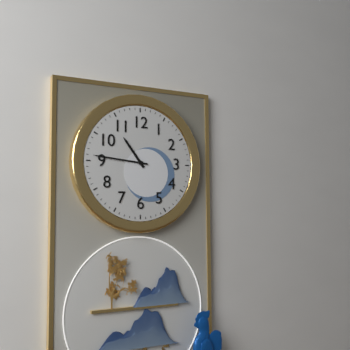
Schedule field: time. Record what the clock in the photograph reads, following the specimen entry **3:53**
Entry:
**10:46**
